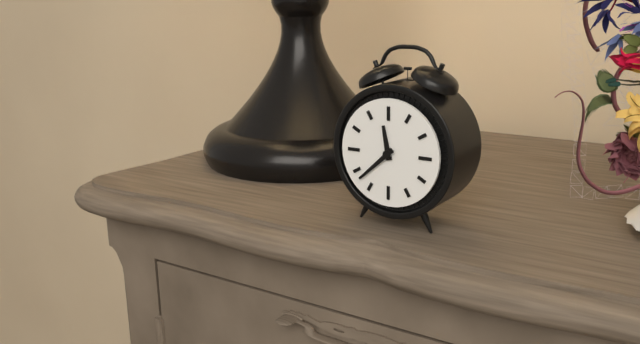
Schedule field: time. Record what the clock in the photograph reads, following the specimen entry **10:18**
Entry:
**11:38**
